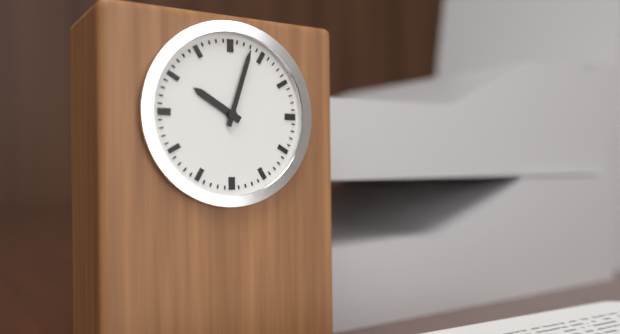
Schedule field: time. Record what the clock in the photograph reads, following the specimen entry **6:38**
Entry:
**10:03**
